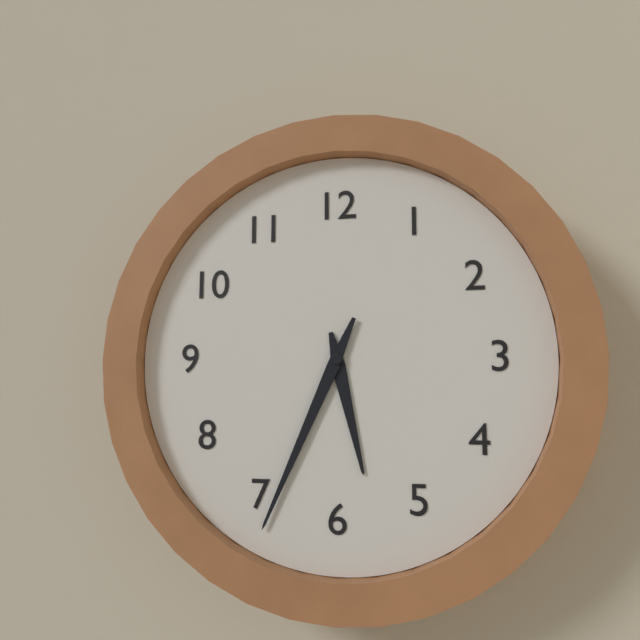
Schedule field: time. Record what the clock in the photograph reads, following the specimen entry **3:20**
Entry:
**5:34**
